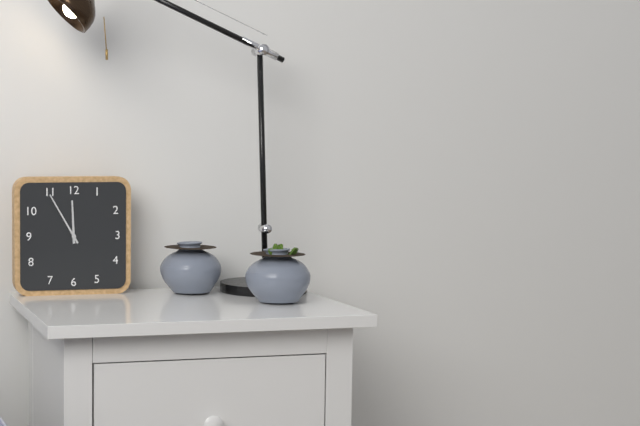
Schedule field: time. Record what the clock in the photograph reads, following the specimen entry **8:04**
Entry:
**11:55**
